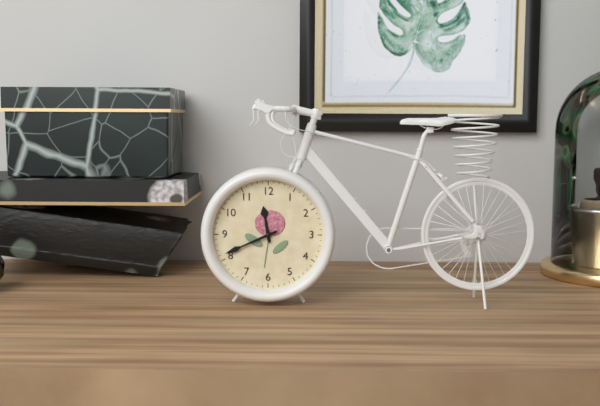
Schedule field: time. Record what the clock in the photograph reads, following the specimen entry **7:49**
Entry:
**11:41**
